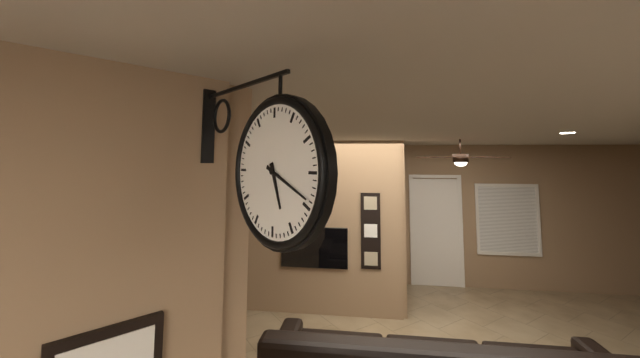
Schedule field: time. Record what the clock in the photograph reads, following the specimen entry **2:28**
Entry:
**5:19**
